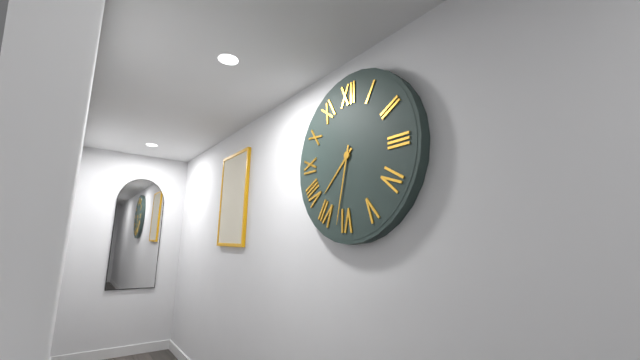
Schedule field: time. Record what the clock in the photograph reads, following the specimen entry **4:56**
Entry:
**7:32**
